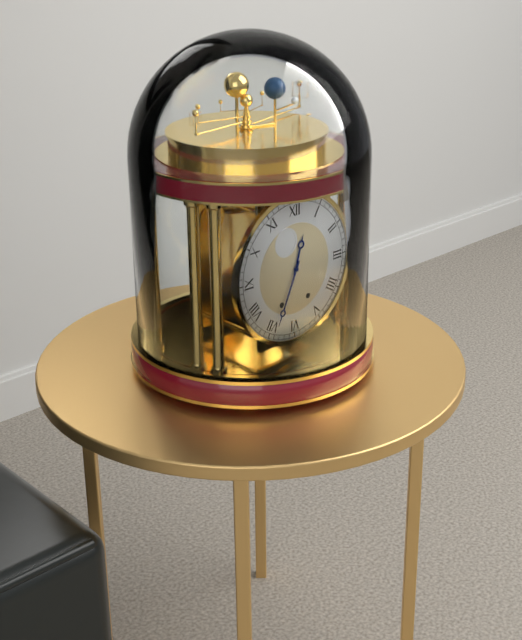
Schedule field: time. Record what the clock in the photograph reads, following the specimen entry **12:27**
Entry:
**12:34**
